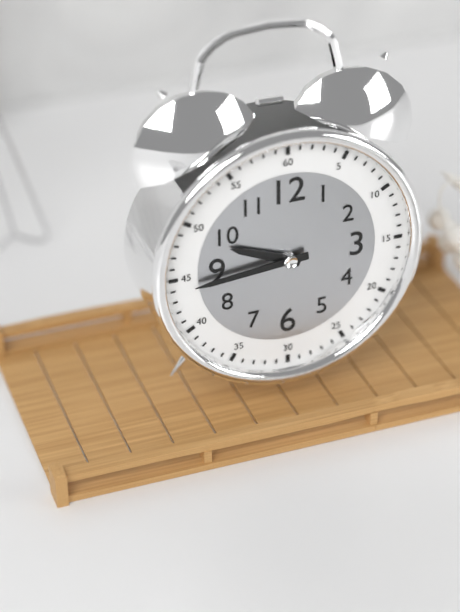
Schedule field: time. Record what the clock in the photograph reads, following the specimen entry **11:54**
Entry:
**9:44**
